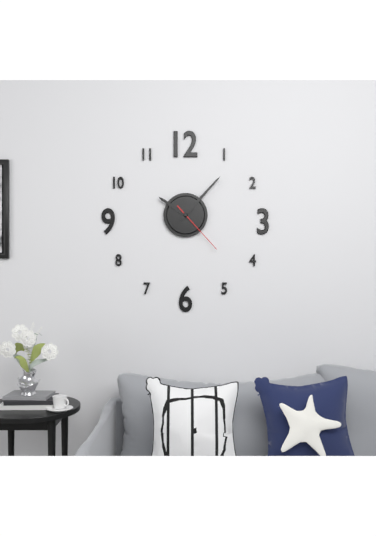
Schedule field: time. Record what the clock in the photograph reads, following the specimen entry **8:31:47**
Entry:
**10:07:23**
